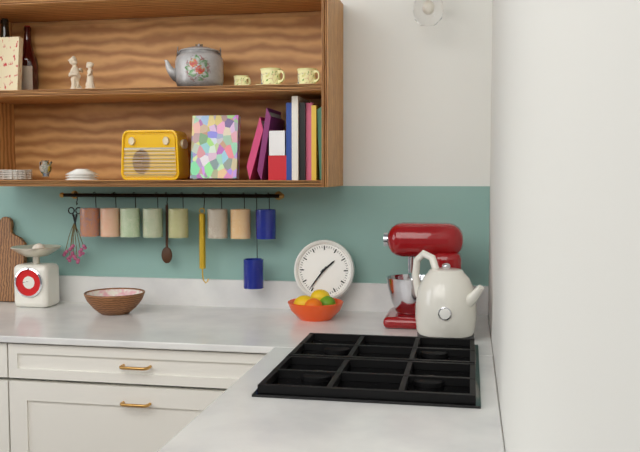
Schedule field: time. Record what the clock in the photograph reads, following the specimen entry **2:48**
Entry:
**1:36**
